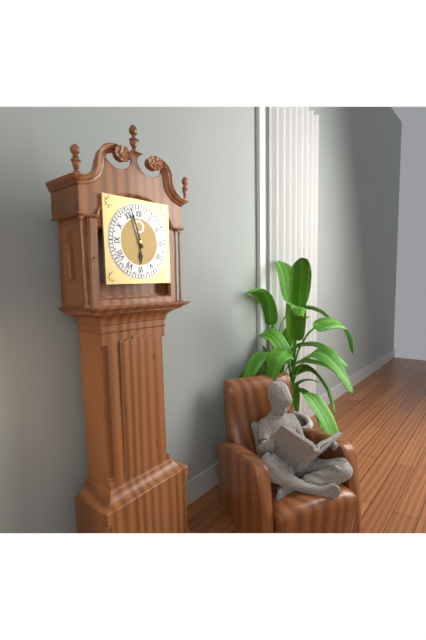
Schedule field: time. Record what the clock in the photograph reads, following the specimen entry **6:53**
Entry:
**5:57**
